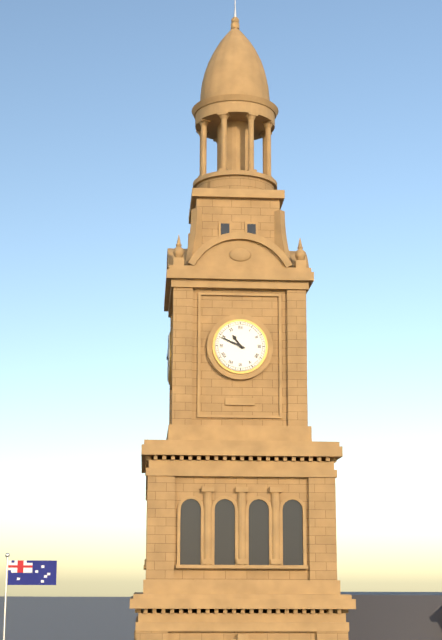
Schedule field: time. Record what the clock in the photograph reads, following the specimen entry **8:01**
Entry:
**10:49**
